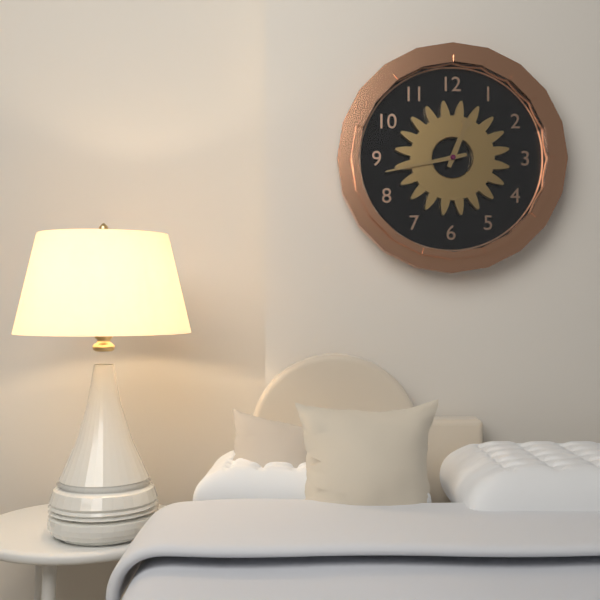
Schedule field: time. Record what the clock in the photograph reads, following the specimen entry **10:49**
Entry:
**12:43**
